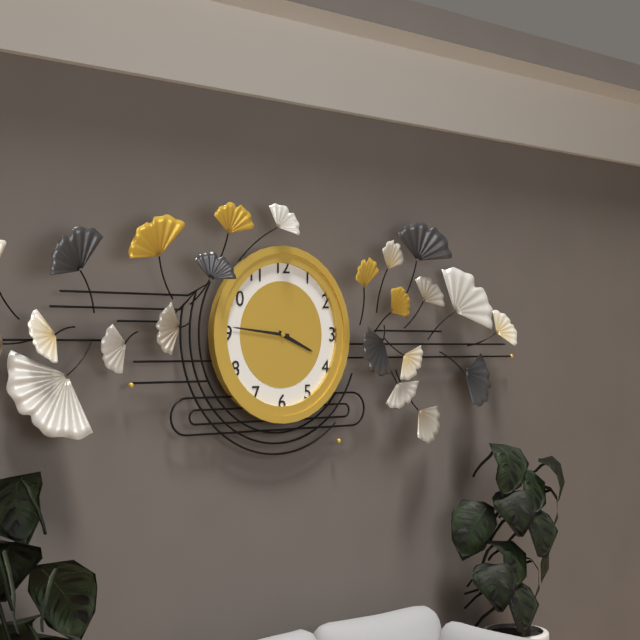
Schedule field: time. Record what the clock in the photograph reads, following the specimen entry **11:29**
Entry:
**3:46**
